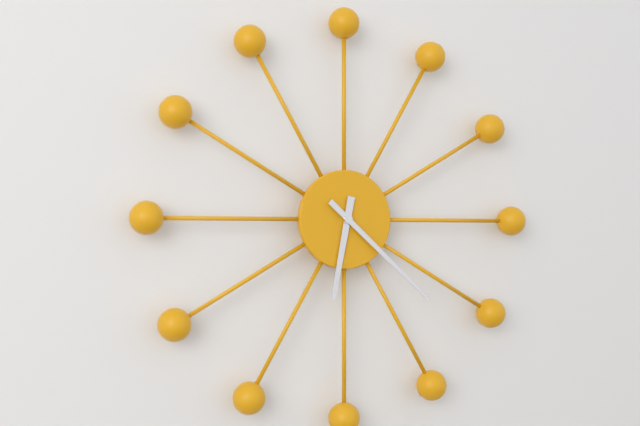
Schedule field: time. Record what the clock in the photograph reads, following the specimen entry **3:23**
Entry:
**6:22**
